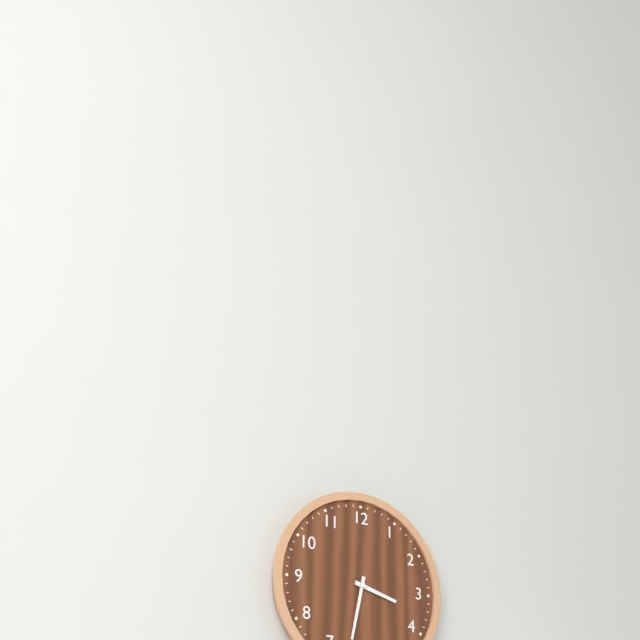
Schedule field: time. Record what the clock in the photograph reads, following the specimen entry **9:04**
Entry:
**3:32**
